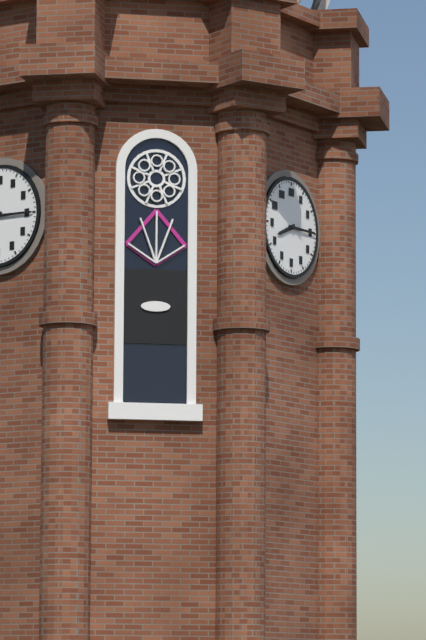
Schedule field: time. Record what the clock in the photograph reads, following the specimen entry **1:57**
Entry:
**8:15**
